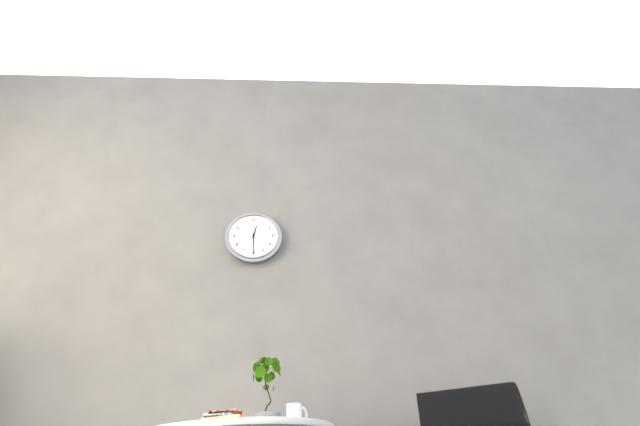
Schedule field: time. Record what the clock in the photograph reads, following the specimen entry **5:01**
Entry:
**12:30**
